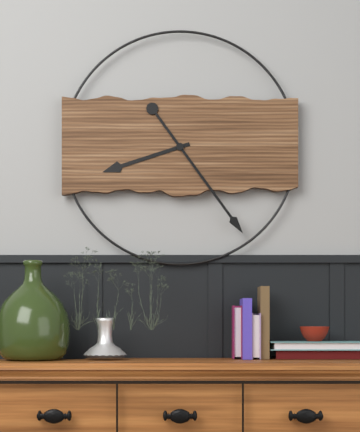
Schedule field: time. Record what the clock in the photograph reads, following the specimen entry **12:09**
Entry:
**8:24**
